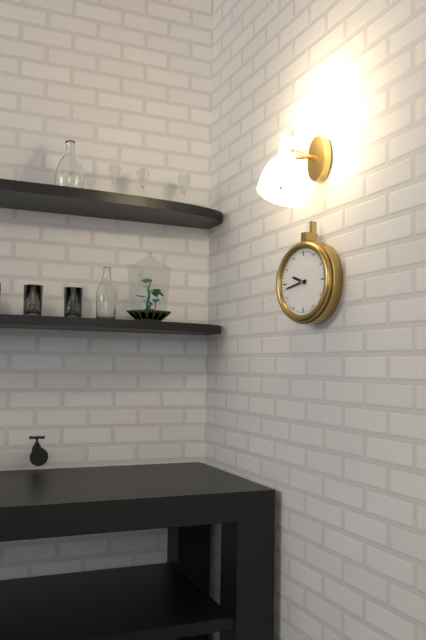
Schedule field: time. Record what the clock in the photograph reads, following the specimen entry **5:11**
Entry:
**9:43**
